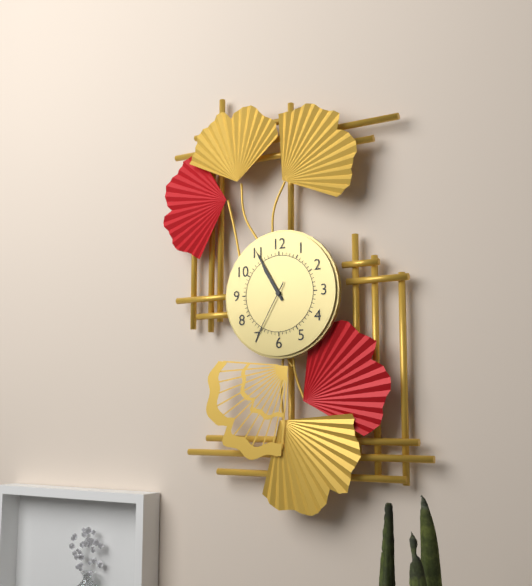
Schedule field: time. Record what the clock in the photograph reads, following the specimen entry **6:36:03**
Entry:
**10:55:35**
